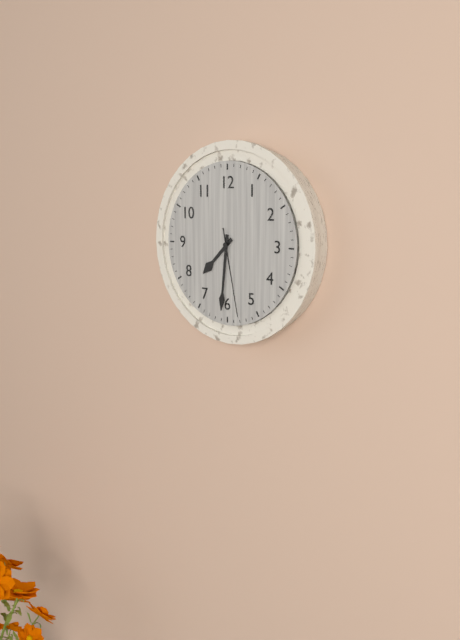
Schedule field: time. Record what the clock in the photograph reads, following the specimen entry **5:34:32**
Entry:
**7:31:28**
